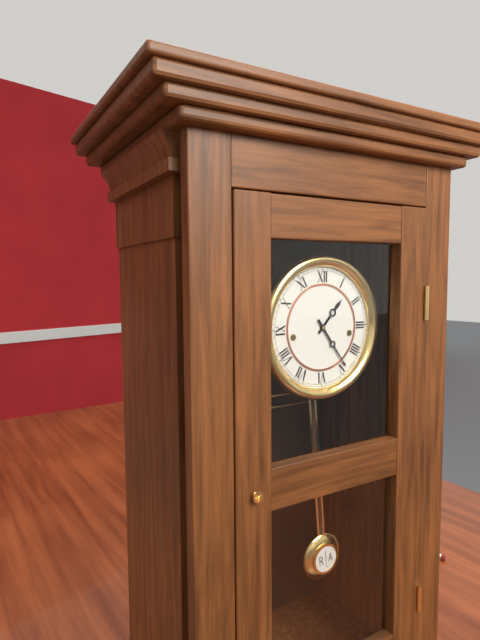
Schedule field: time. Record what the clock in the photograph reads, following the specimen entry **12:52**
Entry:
**1:24**
